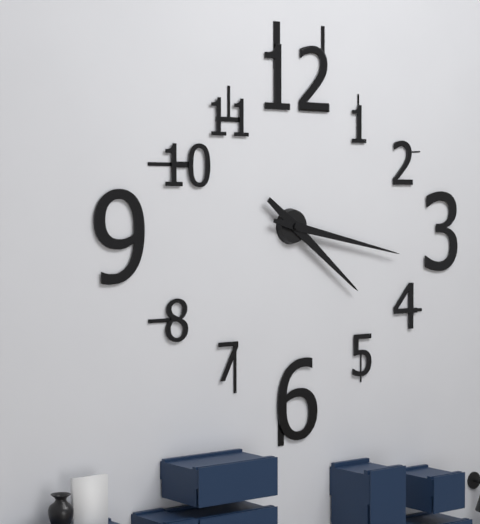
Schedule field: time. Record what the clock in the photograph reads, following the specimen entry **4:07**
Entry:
**4:17**
